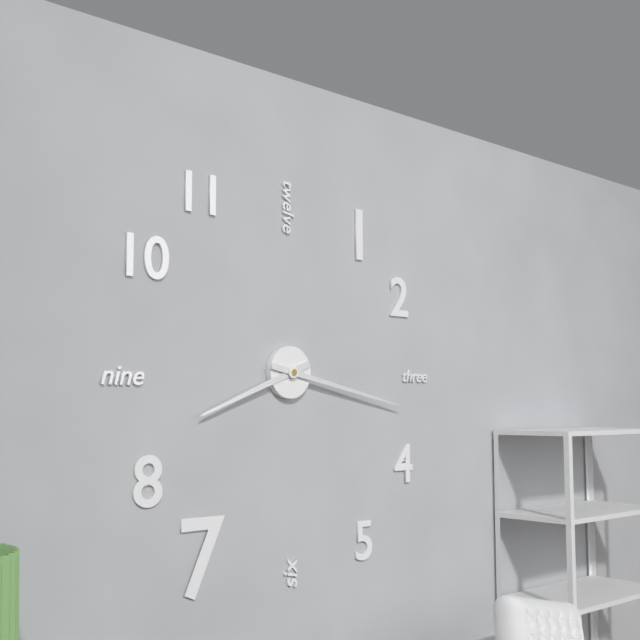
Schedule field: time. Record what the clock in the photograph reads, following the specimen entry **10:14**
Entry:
**8:17**
